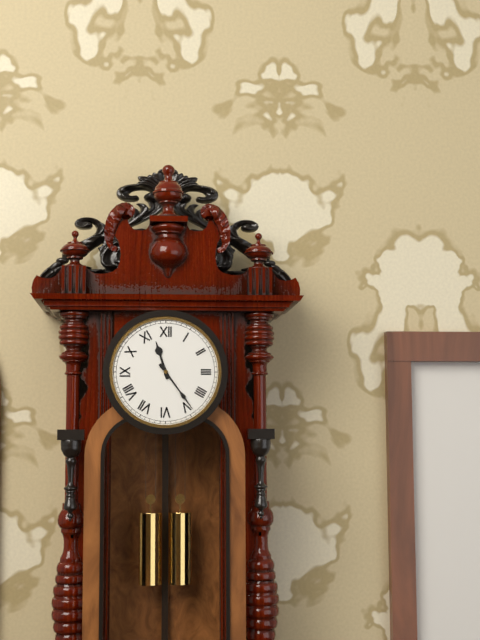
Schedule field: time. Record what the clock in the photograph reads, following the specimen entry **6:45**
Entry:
**11:24**
